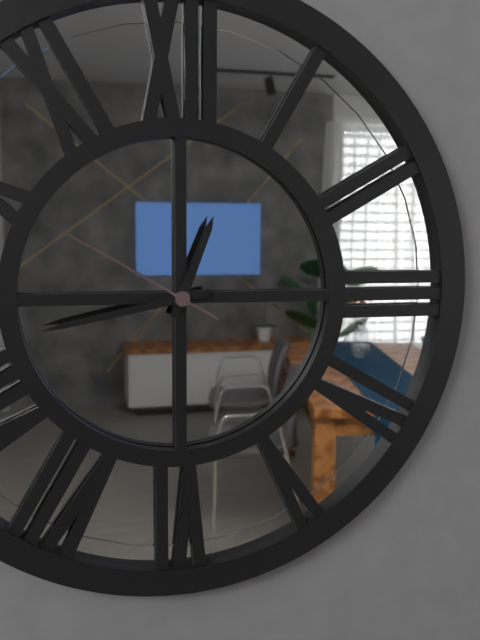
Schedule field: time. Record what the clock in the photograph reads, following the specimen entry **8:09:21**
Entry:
**12:43:50**
